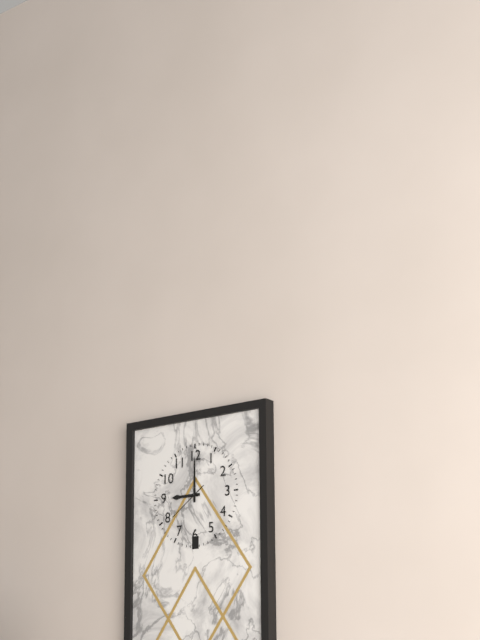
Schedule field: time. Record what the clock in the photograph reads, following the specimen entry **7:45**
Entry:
**9:00**
